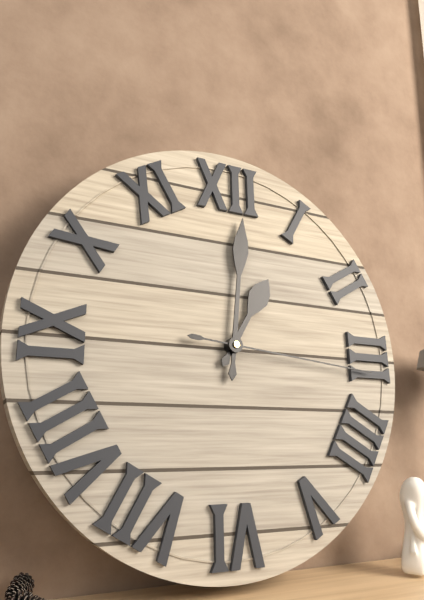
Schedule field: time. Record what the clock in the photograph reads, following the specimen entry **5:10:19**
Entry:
**1:01:16**
